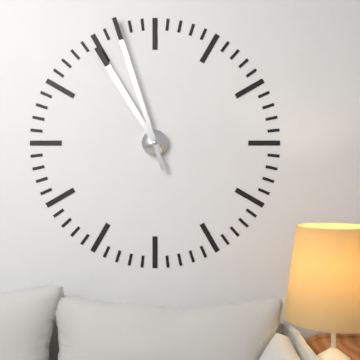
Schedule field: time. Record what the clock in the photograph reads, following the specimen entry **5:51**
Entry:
**10:57**
